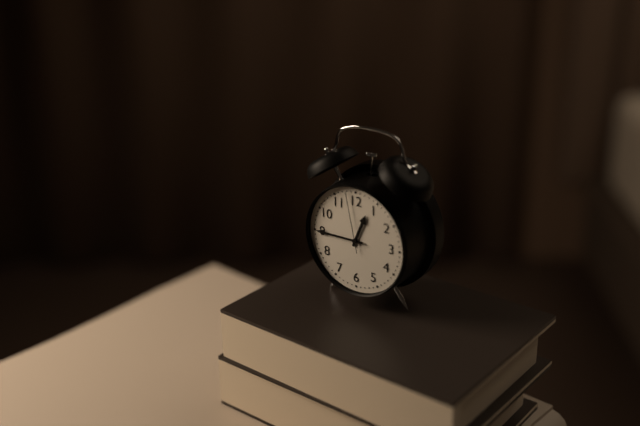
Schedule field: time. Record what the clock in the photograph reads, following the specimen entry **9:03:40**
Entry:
**12:45:58**
